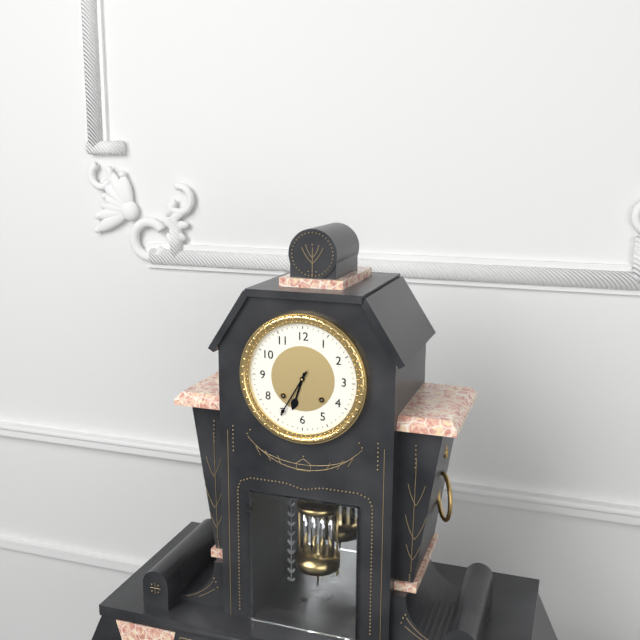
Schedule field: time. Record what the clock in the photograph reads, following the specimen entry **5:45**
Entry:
**6:35**
